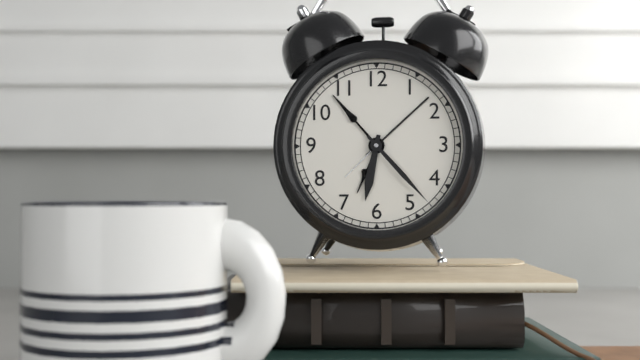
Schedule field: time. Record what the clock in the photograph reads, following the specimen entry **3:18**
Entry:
**6:23**
